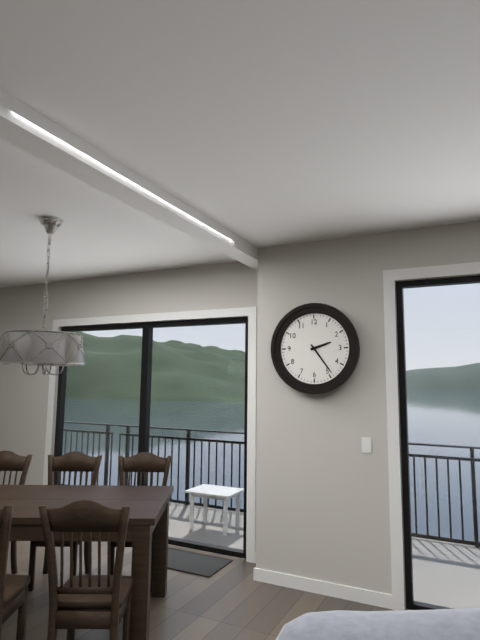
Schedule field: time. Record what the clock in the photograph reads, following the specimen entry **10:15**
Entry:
**2:24**
